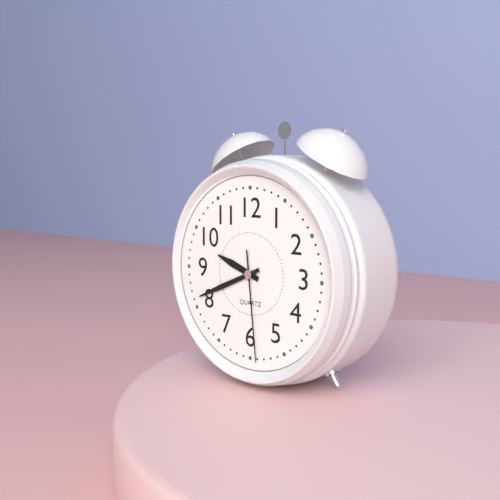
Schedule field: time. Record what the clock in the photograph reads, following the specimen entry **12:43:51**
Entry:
**9:41:29**
